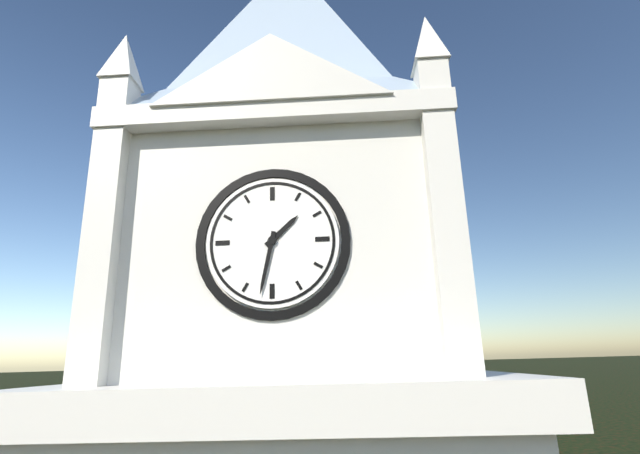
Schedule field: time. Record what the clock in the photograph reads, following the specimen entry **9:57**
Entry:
**1:32**
